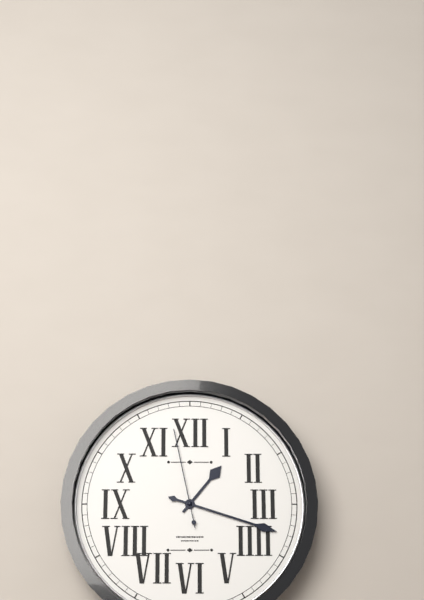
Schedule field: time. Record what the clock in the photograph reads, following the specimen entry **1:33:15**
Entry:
**1:18:58**
